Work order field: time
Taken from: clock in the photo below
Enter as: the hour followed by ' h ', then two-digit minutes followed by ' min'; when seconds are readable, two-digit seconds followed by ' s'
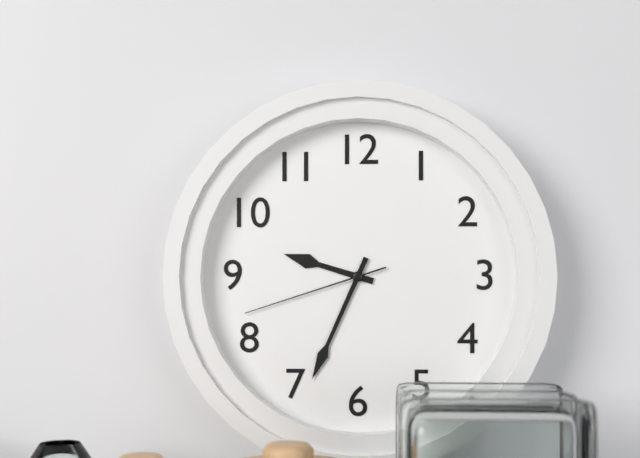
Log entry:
9 h 34 min 42 s
